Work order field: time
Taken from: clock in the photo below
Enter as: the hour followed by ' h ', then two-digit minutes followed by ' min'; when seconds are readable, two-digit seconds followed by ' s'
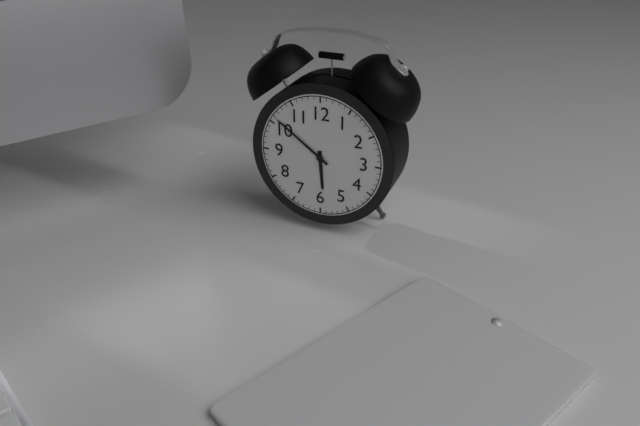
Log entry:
5 h 51 min
